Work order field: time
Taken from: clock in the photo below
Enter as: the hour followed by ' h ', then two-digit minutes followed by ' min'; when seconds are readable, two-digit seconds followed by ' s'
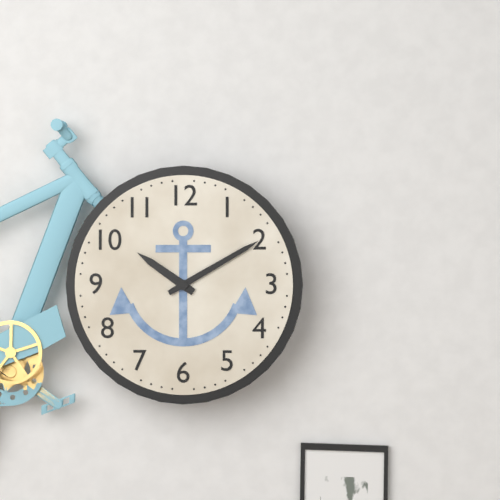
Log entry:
10 h 10 min
